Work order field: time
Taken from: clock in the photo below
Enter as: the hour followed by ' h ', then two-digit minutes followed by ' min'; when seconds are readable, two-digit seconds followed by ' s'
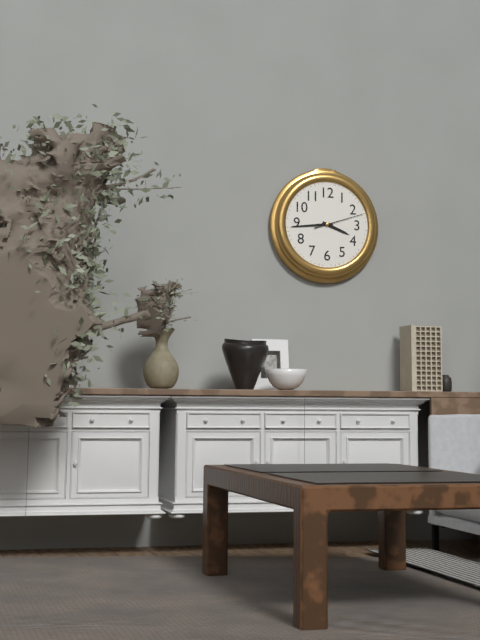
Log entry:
3 h 44 min
